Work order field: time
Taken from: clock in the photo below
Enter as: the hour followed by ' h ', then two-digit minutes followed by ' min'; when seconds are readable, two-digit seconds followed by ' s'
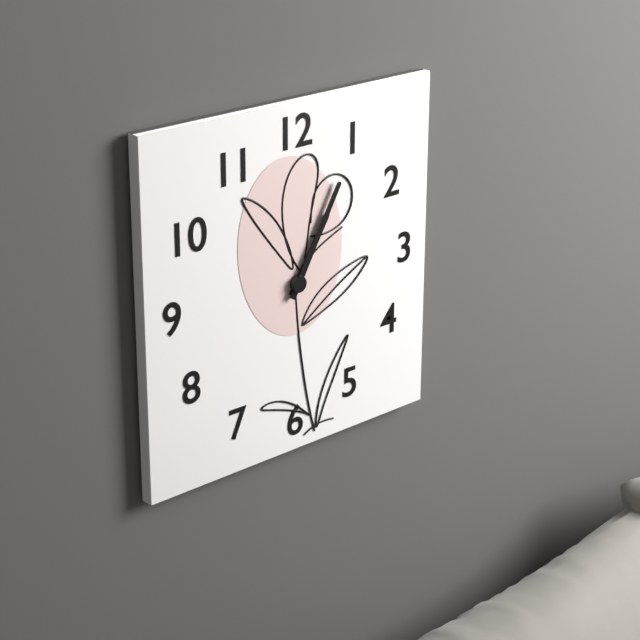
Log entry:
1 h 05 min
